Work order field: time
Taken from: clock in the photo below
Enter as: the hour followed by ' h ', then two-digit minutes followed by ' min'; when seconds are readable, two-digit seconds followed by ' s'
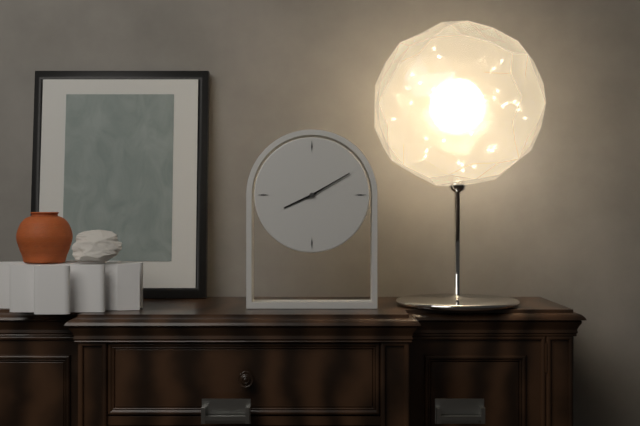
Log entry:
8 h 10 min
